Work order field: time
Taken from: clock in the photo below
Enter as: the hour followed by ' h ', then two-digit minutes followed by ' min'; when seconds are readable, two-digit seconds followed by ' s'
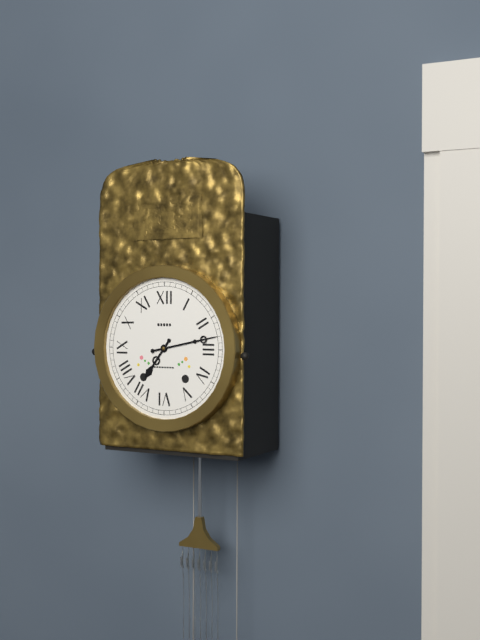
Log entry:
7 h 13 min
